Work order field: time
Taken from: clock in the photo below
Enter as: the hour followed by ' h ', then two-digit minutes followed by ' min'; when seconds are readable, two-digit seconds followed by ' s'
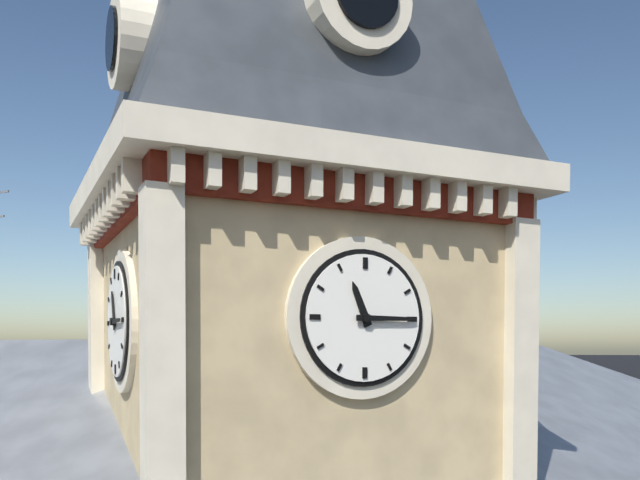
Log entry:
11 h 15 min
